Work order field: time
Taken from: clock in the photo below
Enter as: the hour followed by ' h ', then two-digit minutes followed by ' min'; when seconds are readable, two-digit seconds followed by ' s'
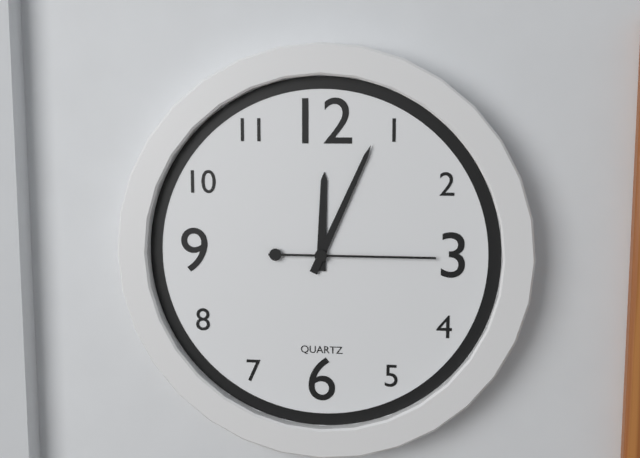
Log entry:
12 h 04 min 15 s
